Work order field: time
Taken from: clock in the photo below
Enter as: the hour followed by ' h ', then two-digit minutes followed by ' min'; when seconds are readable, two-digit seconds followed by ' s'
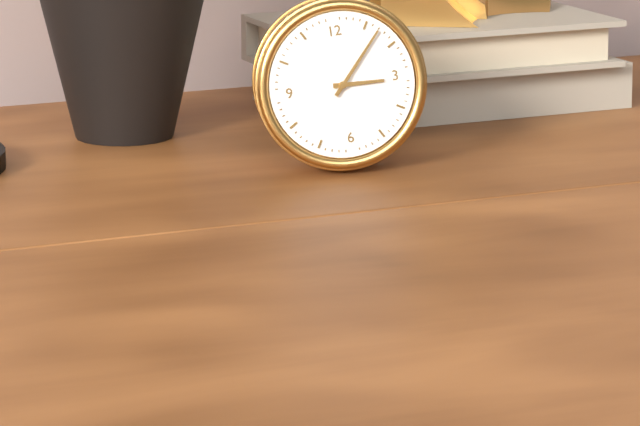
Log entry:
3 h 07 min
